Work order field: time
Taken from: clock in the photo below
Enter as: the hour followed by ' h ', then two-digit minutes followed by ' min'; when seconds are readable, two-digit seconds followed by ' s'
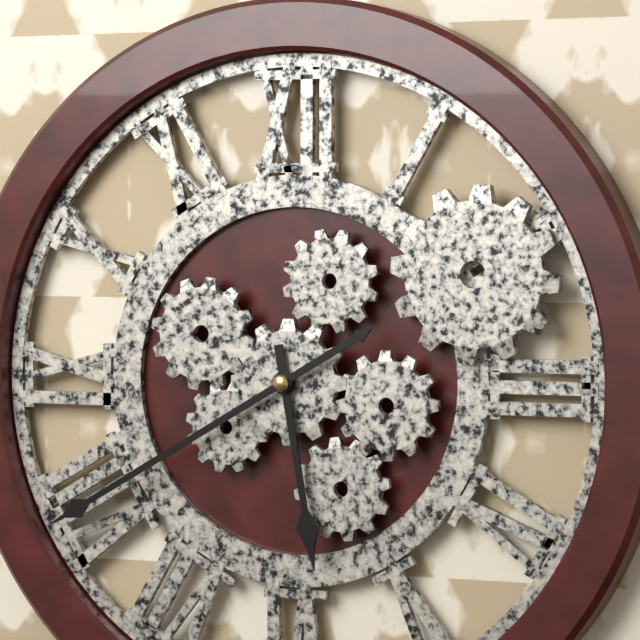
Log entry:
5 h 40 min
